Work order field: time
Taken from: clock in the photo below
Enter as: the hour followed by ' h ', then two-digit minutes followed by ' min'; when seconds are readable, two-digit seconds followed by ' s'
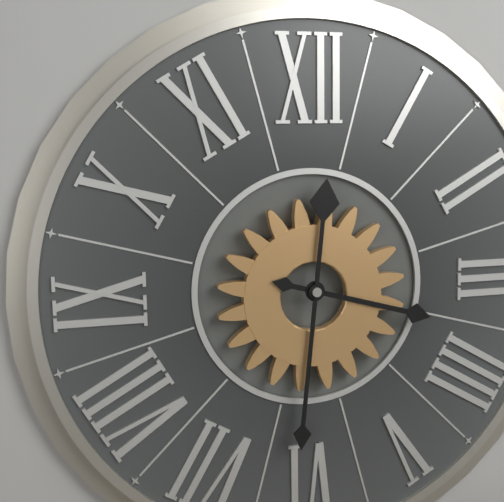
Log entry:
3 h 31 min
